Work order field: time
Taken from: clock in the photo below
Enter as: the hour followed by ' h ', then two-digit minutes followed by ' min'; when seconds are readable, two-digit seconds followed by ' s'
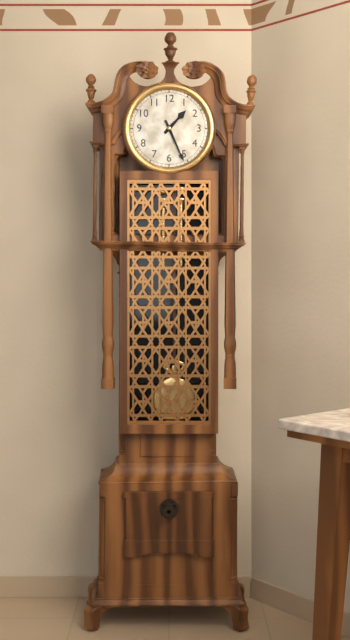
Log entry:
1 h 26 min
